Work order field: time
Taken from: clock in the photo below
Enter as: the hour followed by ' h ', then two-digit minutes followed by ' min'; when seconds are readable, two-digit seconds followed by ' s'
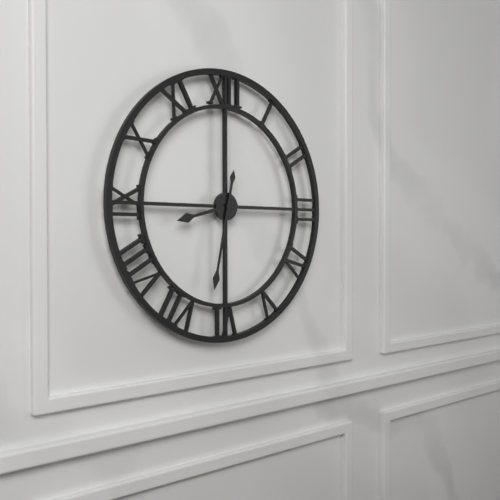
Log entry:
8 h 32 min
